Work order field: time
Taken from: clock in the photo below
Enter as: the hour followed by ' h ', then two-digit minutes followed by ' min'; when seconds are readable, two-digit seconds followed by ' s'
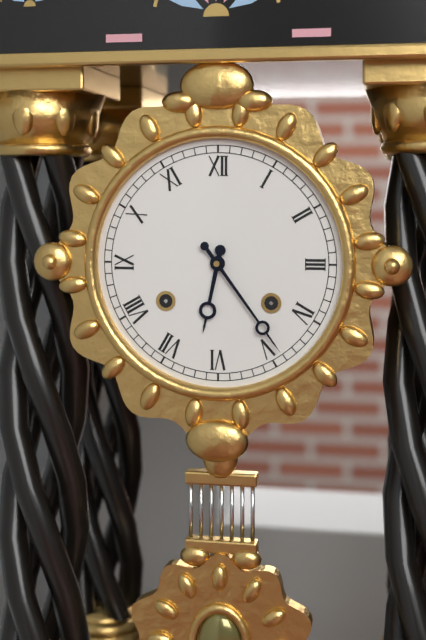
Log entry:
6 h 24 min
